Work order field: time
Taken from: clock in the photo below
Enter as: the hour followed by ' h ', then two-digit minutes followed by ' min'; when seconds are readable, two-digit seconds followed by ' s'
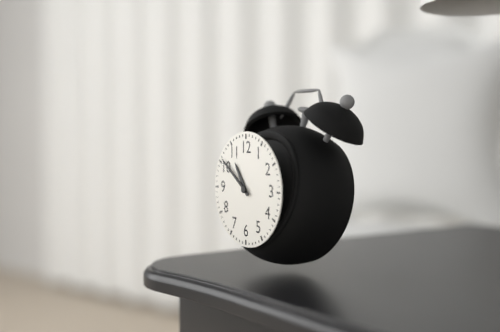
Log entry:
10 h 51 min
